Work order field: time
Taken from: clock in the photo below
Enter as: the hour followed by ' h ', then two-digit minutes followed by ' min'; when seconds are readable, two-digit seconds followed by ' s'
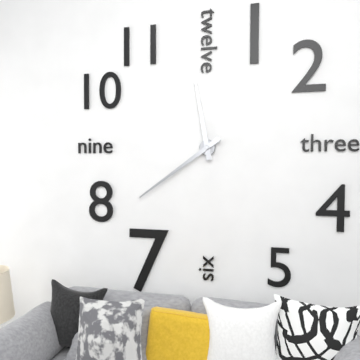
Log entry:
11 h 39 min
